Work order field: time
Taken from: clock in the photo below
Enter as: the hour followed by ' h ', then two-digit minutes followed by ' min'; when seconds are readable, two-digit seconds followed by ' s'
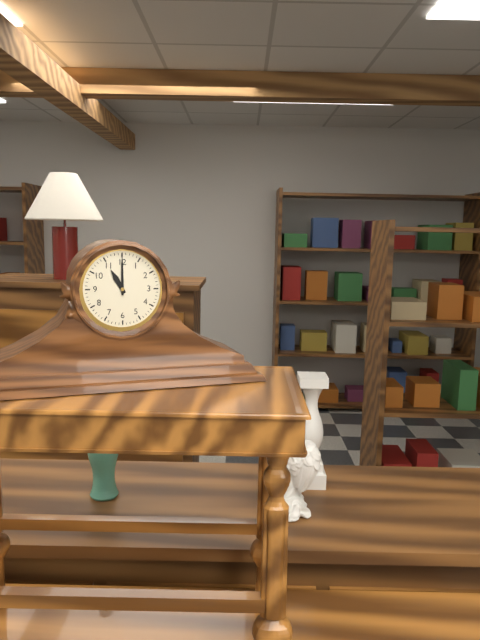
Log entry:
11 h 00 min
